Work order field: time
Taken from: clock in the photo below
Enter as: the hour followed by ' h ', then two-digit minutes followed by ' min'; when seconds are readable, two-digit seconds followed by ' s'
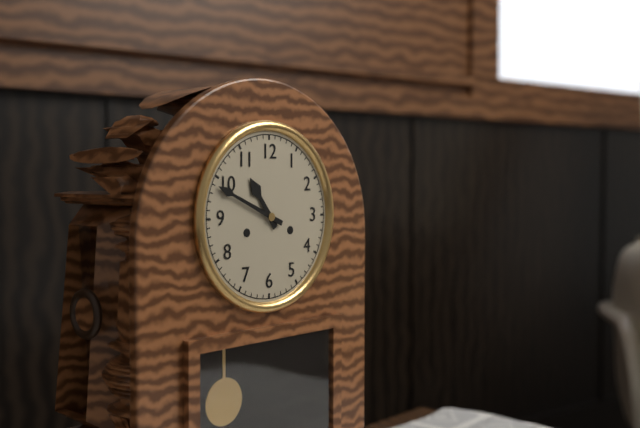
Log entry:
10 h 49 min
